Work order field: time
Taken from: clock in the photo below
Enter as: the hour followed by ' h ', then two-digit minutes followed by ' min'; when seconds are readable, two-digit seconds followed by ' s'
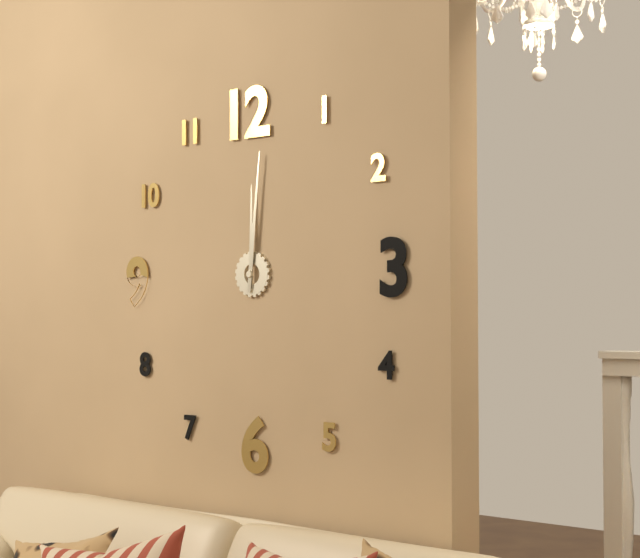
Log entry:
12 h 01 min
